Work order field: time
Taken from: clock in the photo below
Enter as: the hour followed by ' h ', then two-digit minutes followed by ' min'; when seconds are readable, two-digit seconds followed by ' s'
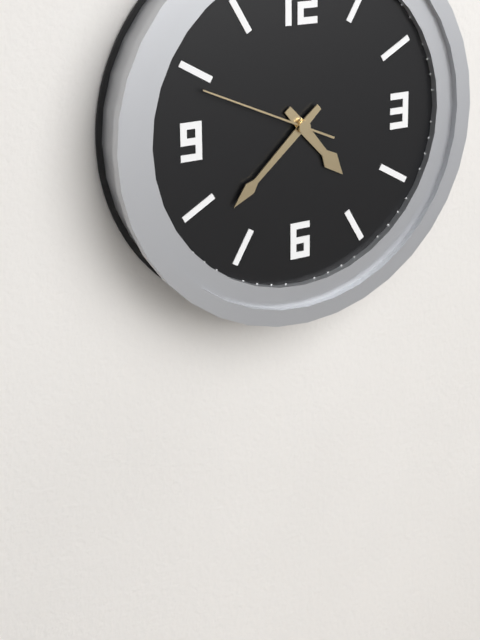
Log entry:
4 h 38 min 49 s
